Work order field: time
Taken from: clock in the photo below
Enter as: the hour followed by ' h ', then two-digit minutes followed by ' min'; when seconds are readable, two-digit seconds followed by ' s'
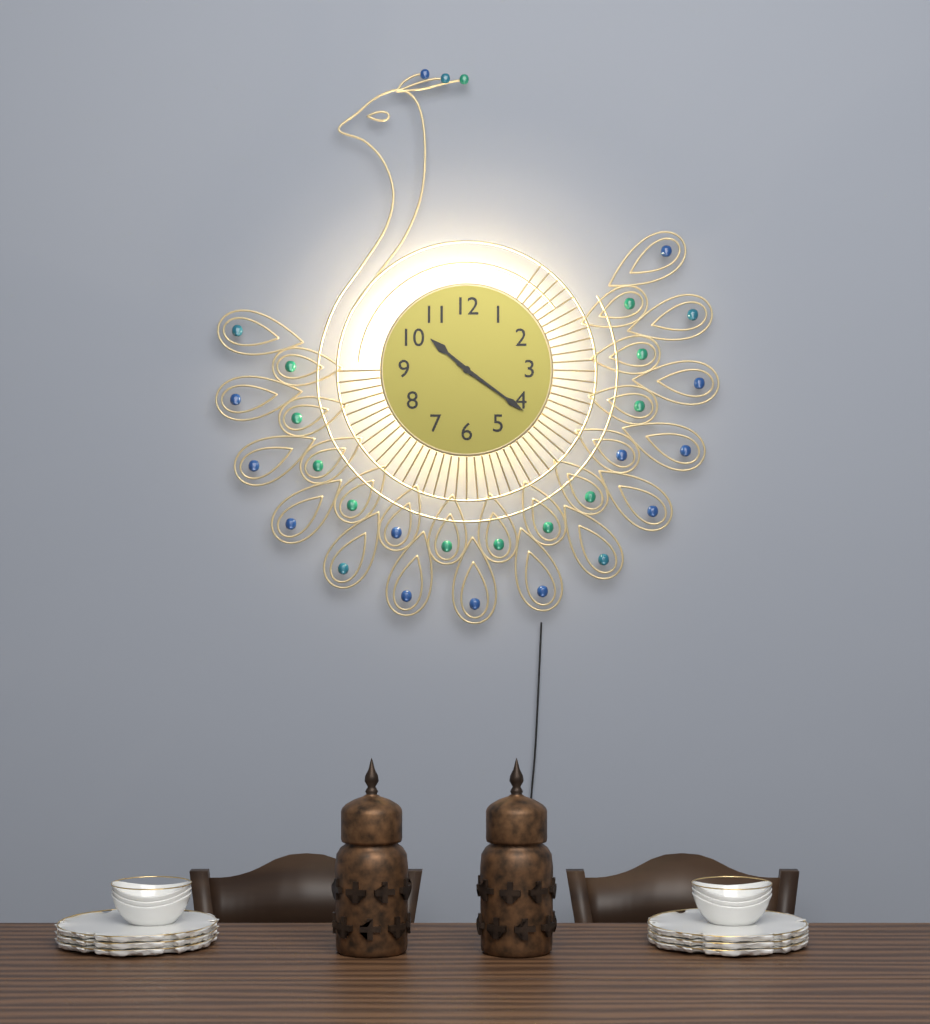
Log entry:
10 h 21 min
